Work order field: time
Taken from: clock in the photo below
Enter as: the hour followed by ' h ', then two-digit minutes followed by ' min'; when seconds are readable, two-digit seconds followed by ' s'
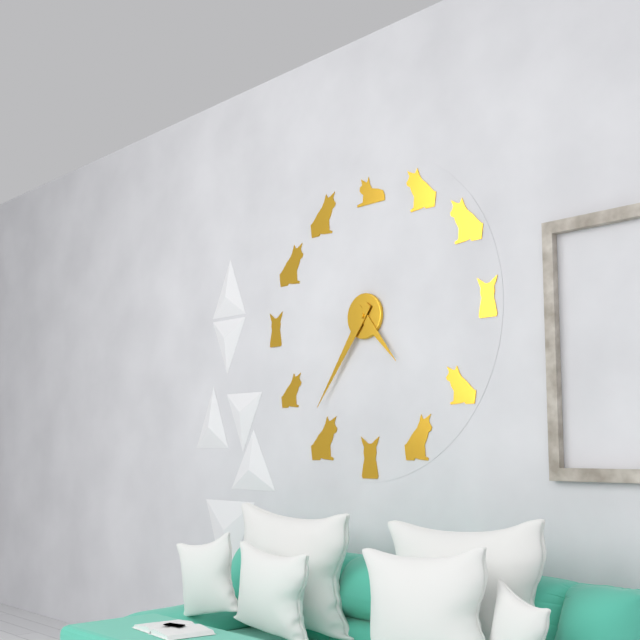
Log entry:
4 h 36 min
